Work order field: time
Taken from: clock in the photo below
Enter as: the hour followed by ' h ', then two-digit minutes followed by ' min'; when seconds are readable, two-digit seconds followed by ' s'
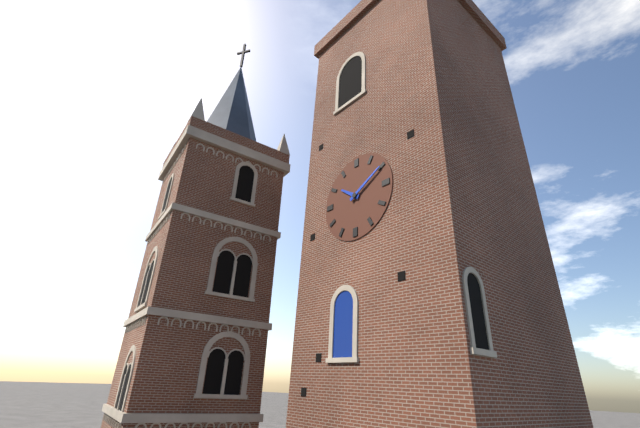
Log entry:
10 h 10 min
